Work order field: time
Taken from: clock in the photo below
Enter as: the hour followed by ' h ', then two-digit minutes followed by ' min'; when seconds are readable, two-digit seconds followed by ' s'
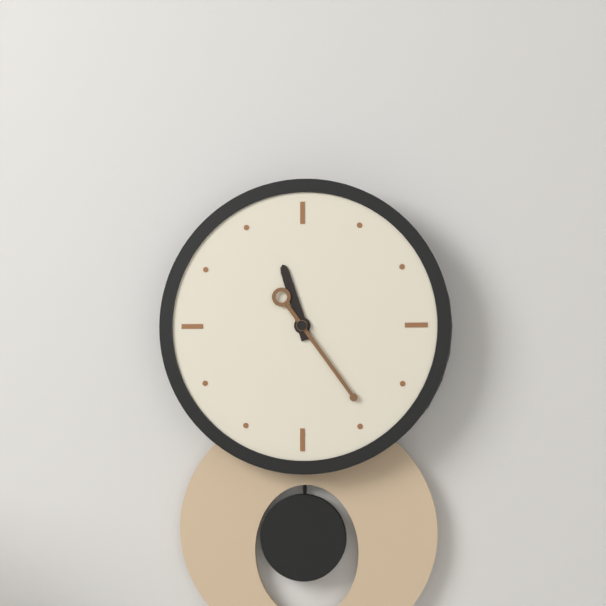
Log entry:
11 h 24 min
